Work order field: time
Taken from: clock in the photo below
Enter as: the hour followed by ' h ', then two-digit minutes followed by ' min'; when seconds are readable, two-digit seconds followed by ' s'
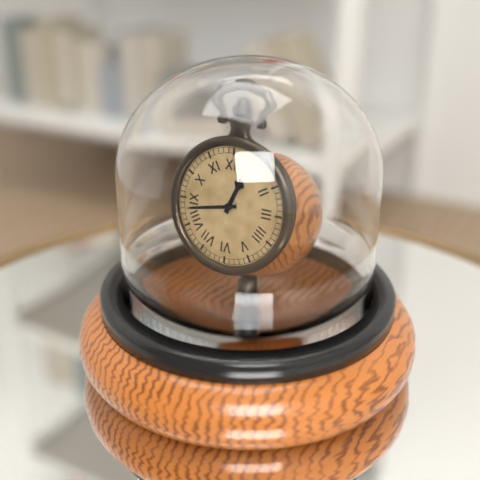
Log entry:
12 h 43 min
